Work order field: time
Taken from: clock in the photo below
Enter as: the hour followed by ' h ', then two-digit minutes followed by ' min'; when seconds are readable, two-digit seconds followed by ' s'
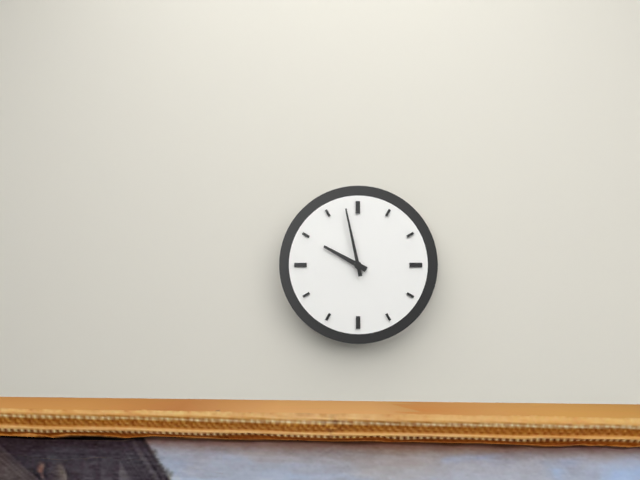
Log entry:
9 h 58 min
